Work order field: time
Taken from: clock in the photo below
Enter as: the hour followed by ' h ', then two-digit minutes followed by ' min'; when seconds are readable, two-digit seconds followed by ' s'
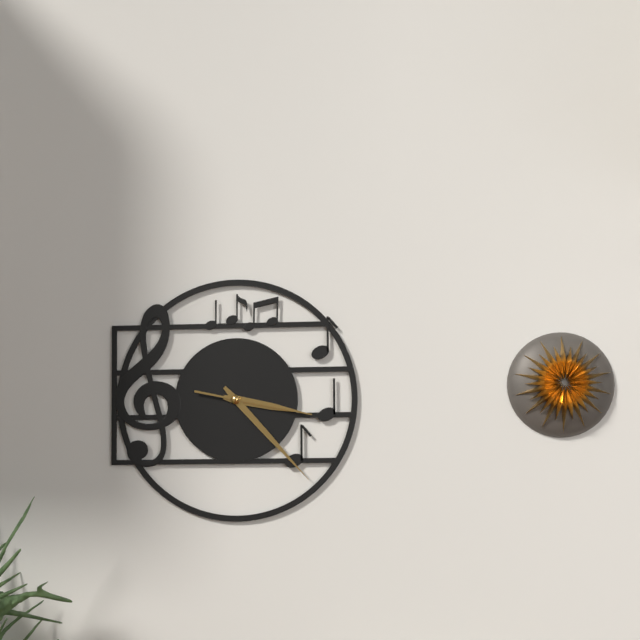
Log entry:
3 h 23 min 17 s
